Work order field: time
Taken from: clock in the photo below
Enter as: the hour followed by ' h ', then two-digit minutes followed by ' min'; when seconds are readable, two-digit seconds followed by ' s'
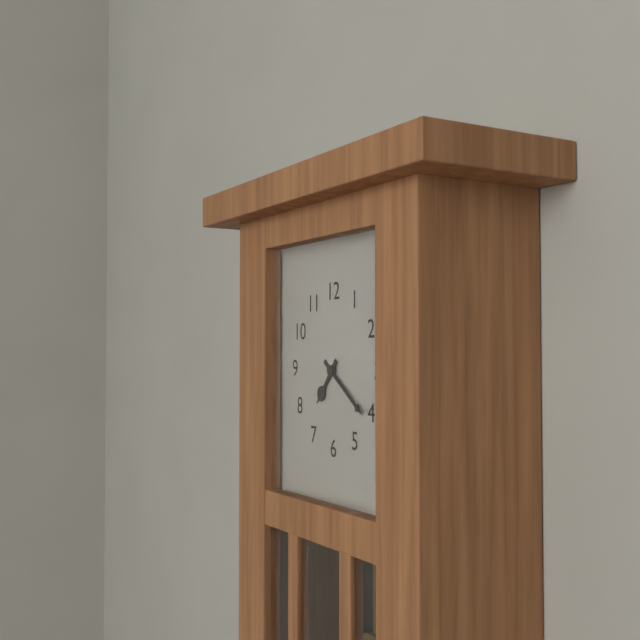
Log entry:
7 h 21 min
